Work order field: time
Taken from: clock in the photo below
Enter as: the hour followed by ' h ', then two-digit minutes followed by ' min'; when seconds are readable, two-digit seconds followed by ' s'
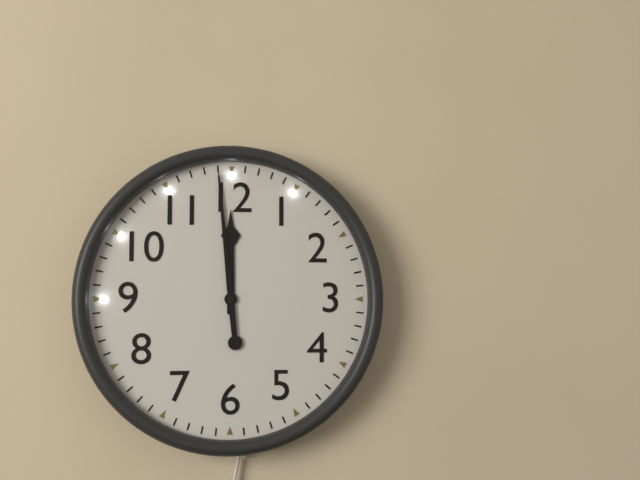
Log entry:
11 h 59 min
